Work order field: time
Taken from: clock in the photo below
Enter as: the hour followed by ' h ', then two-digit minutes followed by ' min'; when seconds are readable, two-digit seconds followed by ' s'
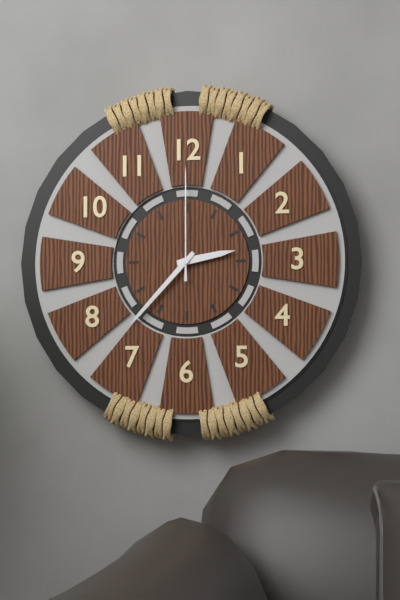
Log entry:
2 h 37 min 00 s
